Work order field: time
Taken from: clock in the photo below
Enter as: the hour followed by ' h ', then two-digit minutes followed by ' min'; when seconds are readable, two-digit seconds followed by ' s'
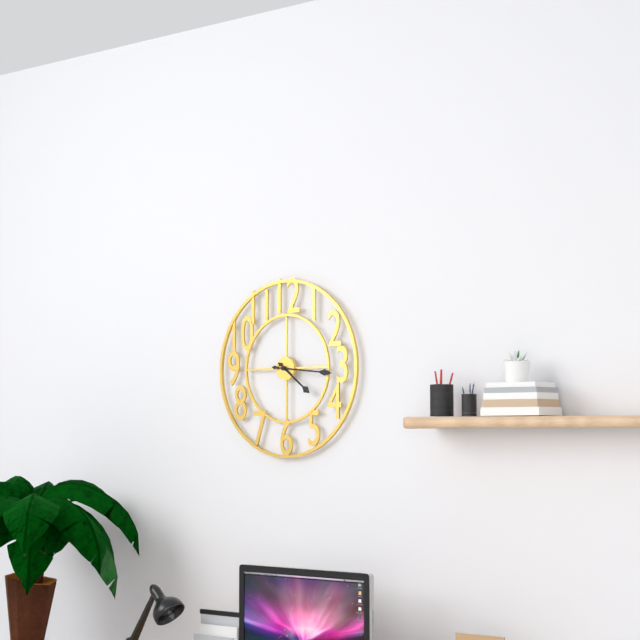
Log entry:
4 h 16 min
